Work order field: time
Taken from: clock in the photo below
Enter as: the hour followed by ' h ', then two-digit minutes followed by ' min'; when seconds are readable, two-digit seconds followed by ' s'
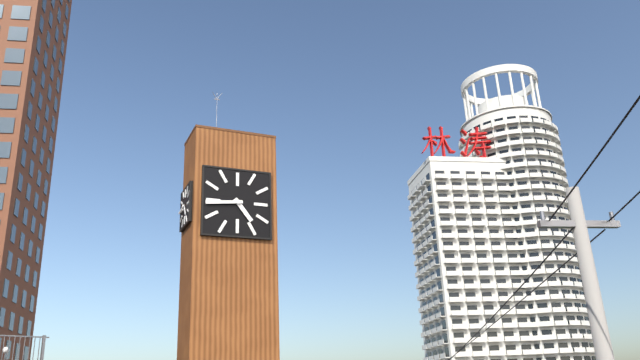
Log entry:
4 h 44 min
